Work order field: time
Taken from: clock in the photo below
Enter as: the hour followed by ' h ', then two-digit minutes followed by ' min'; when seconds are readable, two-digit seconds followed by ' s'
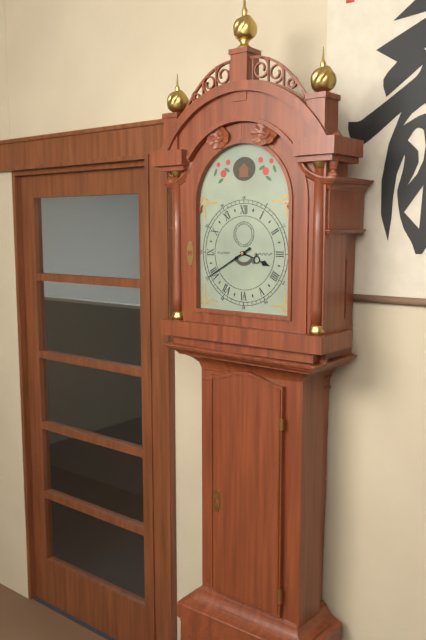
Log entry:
3 h 40 min
